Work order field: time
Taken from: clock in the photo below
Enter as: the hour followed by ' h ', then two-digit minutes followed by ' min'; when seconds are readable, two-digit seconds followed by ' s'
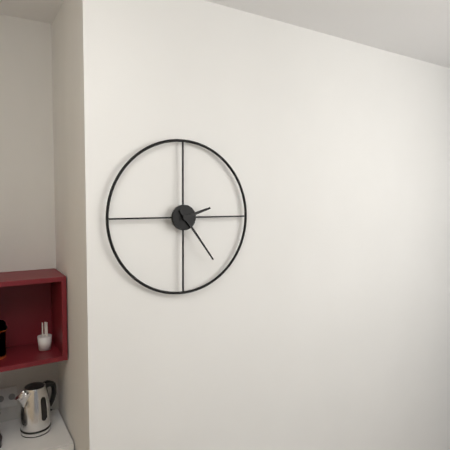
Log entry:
2 h 24 min
